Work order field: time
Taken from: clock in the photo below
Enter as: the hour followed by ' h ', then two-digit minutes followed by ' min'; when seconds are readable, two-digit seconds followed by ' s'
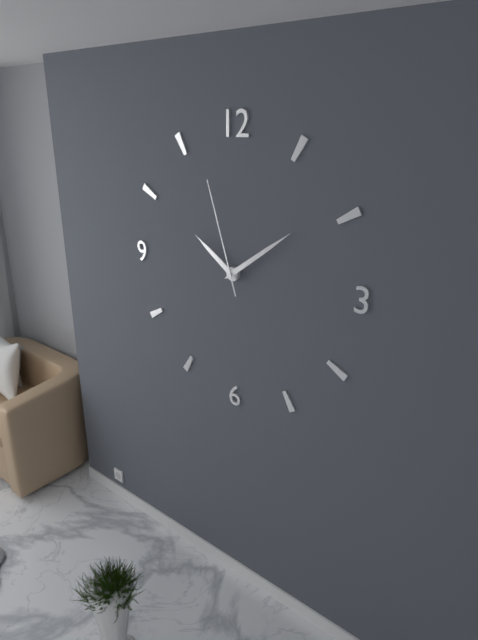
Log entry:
10 h 09 min 57 s
